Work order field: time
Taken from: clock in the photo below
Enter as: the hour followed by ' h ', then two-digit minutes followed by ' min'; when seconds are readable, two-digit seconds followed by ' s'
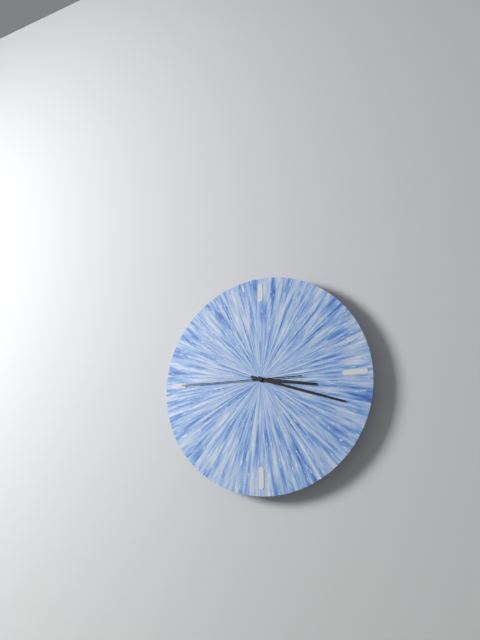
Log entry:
3 h 18 min 45 s
